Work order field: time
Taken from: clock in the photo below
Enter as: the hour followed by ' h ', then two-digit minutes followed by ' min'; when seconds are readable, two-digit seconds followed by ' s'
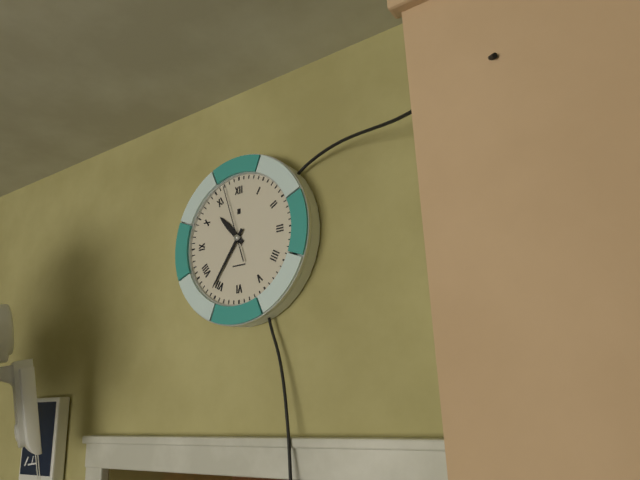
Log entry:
10 h 36 min 57 s
